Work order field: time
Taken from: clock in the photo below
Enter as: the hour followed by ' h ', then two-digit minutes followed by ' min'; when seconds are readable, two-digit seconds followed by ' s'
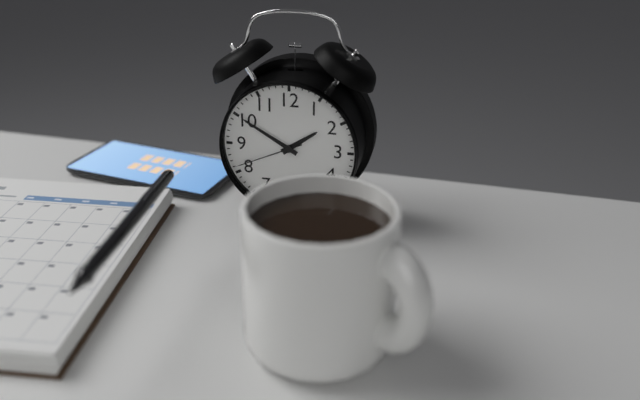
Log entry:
1 h 50 min 41 s
